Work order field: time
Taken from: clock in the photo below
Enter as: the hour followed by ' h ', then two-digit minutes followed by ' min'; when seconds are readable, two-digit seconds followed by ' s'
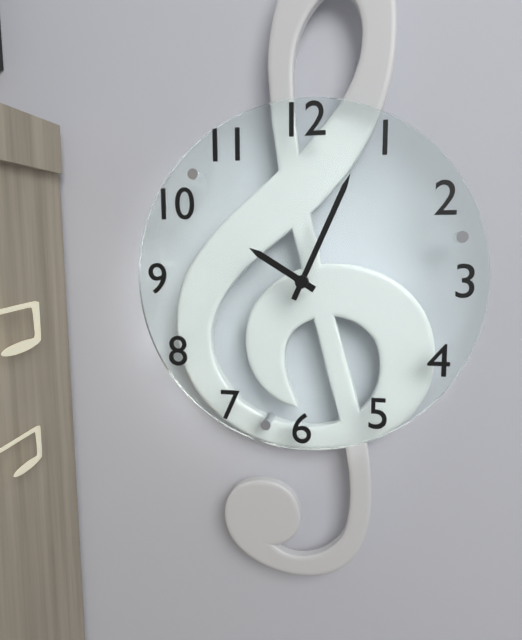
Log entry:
10 h 04 min
